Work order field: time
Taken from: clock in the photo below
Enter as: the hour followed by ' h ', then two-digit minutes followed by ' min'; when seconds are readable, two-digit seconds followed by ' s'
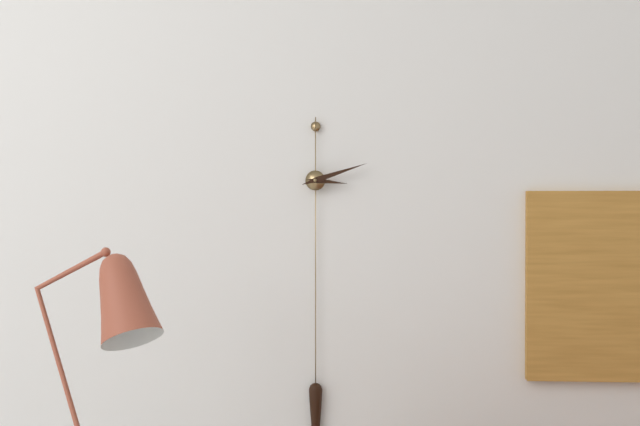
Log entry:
3 h 12 min
